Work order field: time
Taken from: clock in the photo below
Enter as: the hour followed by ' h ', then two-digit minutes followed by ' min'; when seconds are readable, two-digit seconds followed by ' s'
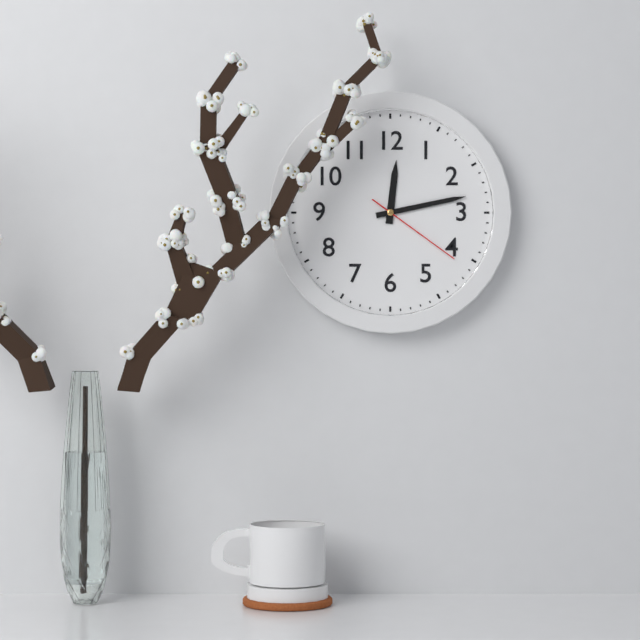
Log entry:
12 h 13 min 21 s
